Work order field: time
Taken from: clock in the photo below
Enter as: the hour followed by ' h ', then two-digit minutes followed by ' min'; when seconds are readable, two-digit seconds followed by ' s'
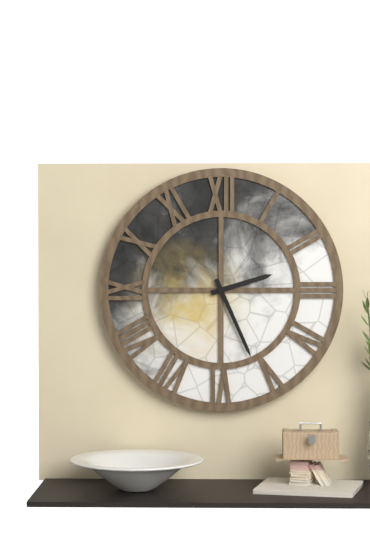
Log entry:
2 h 26 min
